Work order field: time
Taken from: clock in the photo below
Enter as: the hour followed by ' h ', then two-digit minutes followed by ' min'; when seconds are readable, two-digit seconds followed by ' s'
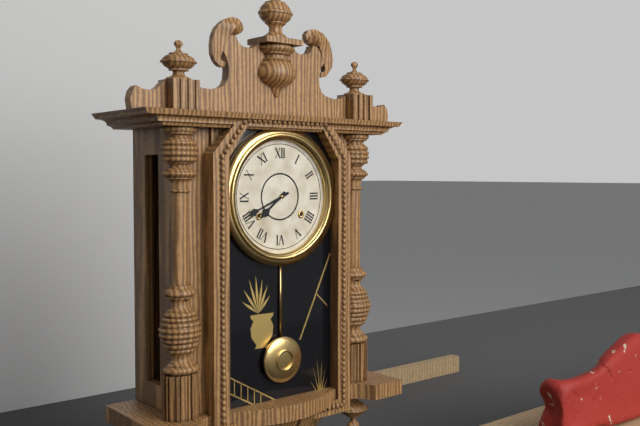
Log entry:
7 h 41 min
